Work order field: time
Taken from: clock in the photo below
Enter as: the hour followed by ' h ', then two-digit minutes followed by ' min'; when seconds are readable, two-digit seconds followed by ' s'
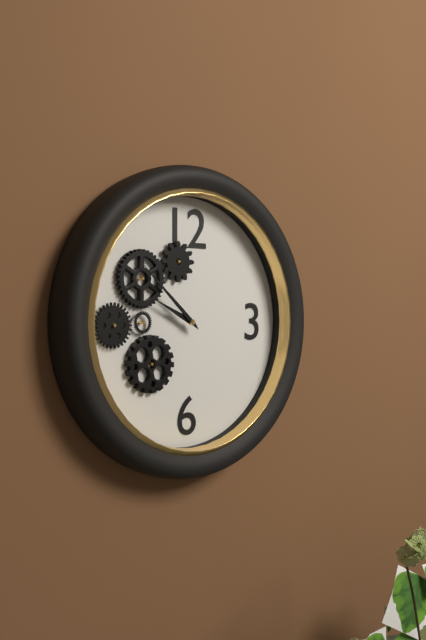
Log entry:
9 h 52 min
